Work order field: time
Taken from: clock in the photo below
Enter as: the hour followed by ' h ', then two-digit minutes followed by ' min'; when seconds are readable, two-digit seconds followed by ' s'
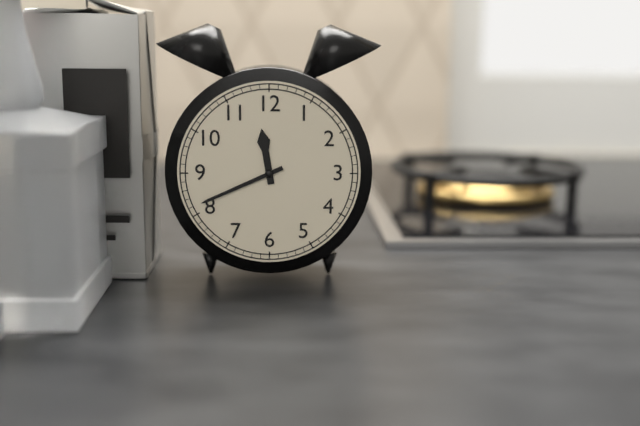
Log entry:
11 h 41 min
